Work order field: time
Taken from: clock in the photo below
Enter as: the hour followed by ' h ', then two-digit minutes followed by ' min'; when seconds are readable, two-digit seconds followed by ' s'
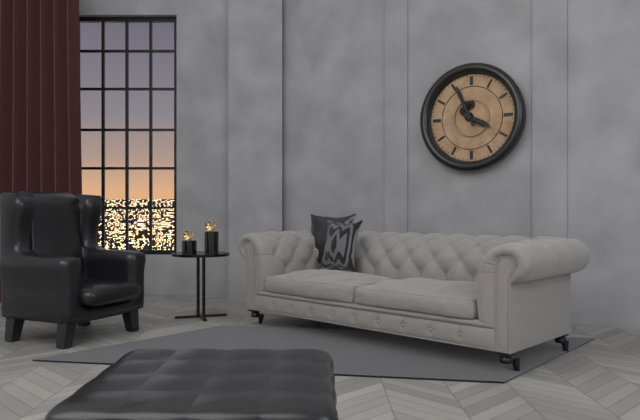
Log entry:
3 h 56 min
